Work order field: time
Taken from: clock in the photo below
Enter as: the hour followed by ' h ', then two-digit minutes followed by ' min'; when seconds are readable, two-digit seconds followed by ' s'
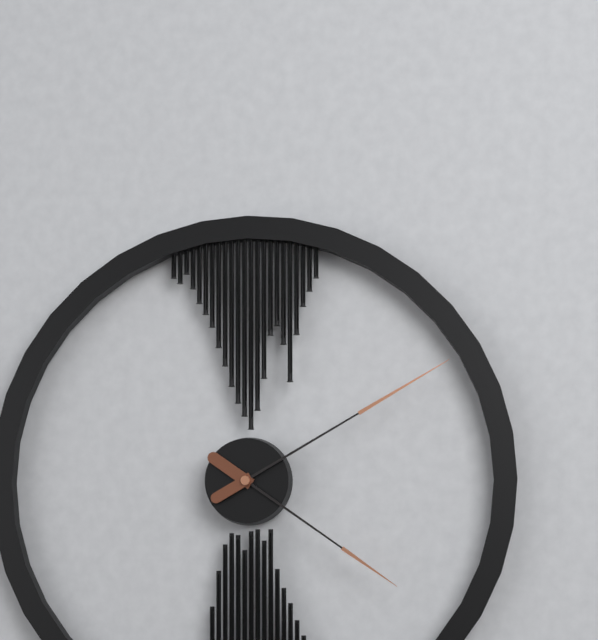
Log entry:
4 h 10 min
